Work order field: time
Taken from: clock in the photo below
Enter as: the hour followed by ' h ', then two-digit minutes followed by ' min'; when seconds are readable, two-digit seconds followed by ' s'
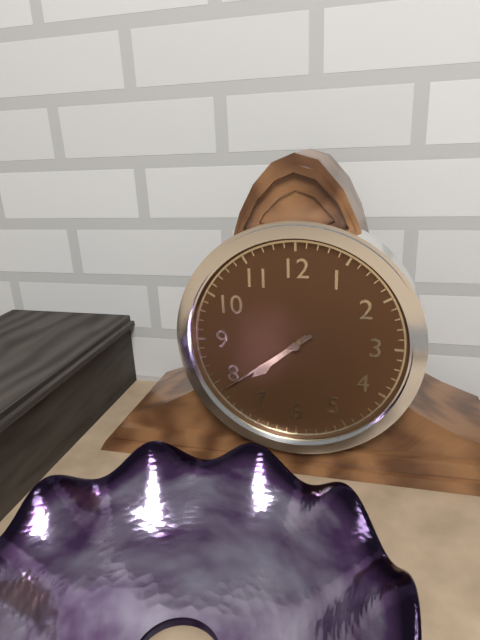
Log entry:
7 h 39 min
